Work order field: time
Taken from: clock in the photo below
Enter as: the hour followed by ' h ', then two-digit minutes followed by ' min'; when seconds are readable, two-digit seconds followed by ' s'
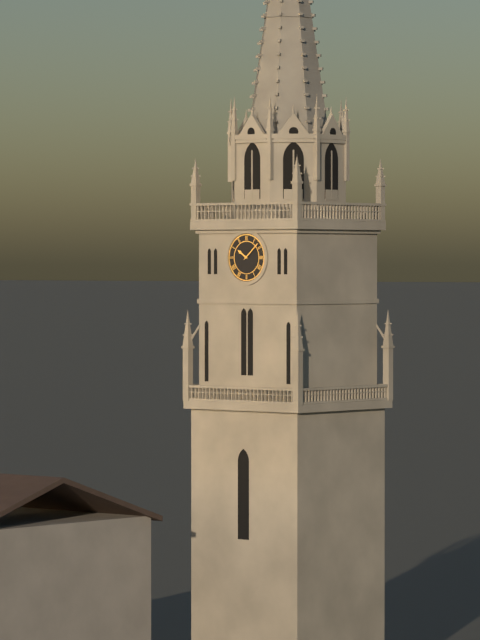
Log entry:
10 h 08 min
